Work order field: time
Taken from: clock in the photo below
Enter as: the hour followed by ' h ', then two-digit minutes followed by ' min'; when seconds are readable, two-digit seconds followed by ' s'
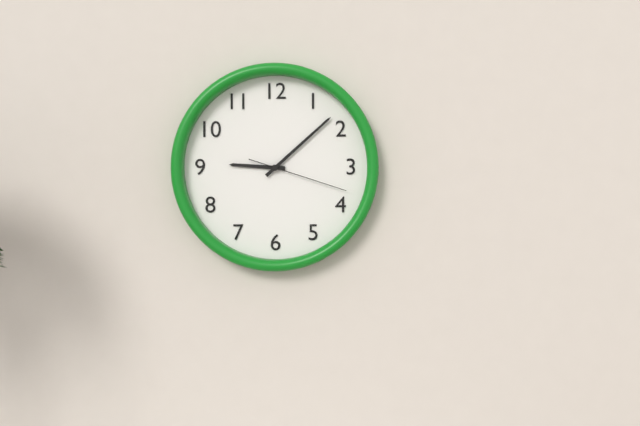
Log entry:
9 h 08 min 18 s
